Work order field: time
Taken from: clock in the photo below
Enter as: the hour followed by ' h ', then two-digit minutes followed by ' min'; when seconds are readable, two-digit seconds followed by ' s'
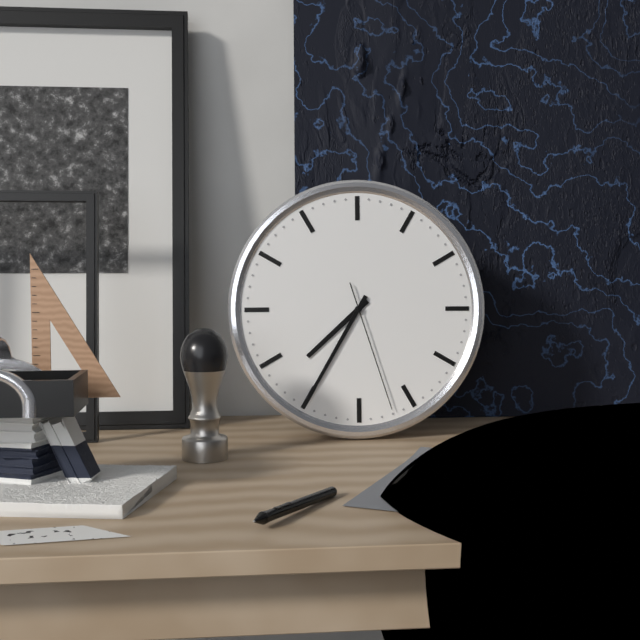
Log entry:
7 h 35 min 27 s
